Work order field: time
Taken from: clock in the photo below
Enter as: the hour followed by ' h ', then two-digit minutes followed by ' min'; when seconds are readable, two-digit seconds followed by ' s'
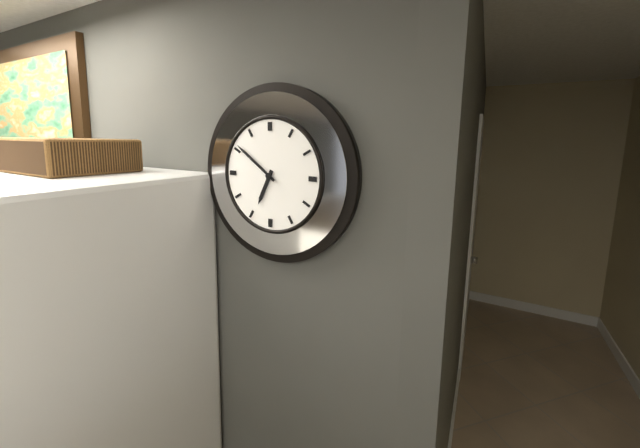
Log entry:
6 h 51 min
